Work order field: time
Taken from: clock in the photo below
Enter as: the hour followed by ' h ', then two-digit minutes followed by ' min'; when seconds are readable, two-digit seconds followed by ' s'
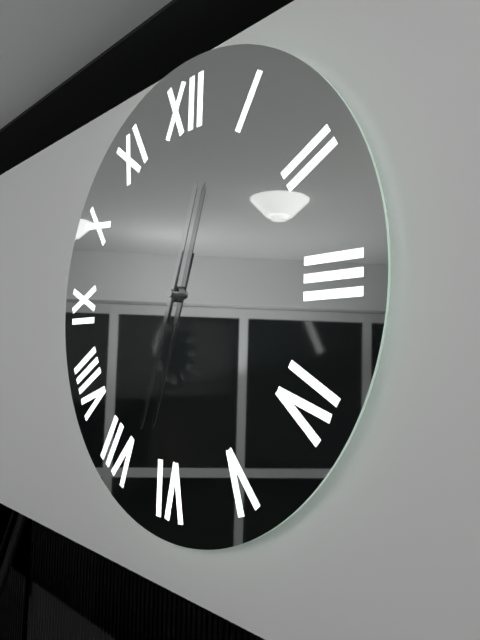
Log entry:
12 h 33 min
